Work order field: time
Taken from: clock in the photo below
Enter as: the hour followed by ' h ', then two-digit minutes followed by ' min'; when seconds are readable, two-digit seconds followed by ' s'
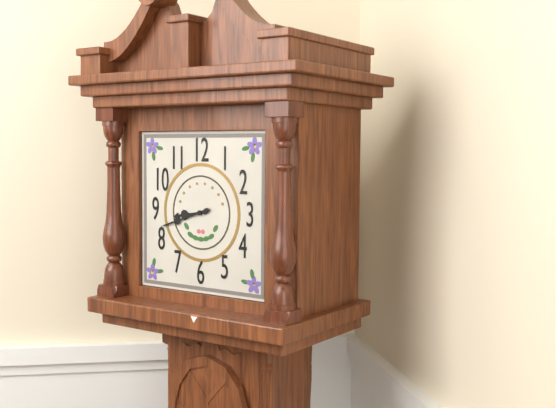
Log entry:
8 h 42 min
